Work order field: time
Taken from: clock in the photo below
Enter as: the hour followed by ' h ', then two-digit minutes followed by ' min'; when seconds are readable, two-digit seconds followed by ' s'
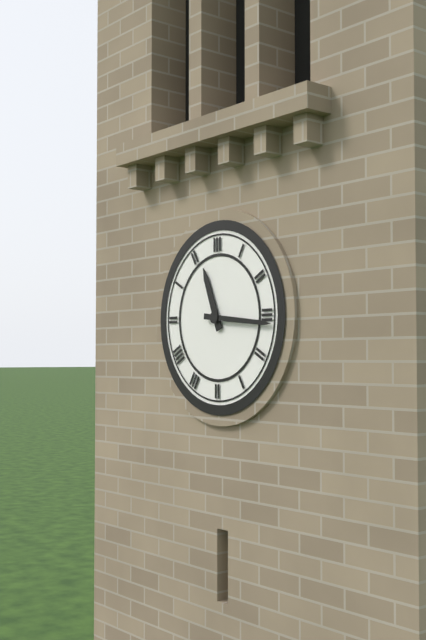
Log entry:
11 h 16 min
